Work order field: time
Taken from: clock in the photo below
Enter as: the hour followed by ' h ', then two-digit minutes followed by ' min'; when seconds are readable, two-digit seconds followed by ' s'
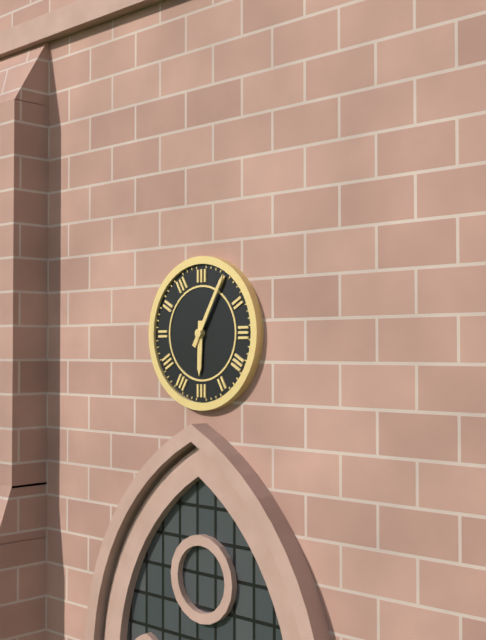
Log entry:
6 h 05 min
